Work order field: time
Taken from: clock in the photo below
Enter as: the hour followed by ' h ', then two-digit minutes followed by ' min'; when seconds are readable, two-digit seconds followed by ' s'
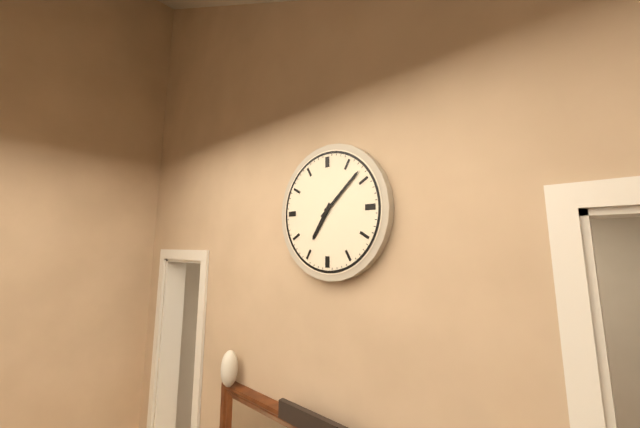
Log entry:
7 h 08 min
